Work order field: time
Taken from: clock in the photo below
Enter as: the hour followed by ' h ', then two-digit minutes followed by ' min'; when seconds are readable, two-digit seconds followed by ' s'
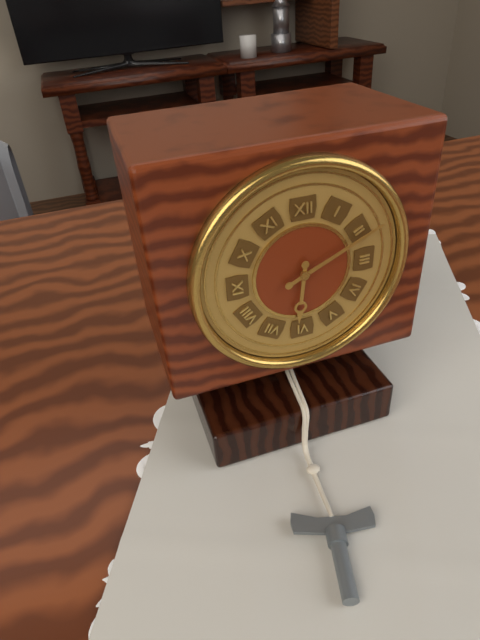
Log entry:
6 h 11 min
